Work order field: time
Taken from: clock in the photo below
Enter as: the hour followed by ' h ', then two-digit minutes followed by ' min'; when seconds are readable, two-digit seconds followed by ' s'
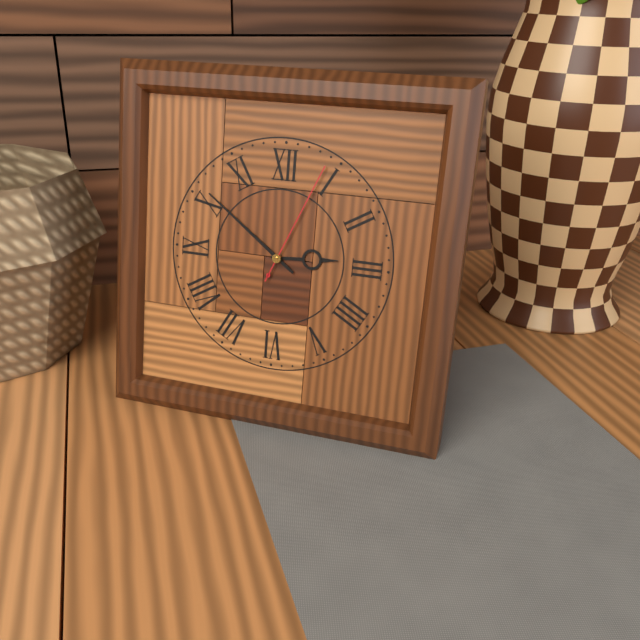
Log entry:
2 h 51 min 04 s
